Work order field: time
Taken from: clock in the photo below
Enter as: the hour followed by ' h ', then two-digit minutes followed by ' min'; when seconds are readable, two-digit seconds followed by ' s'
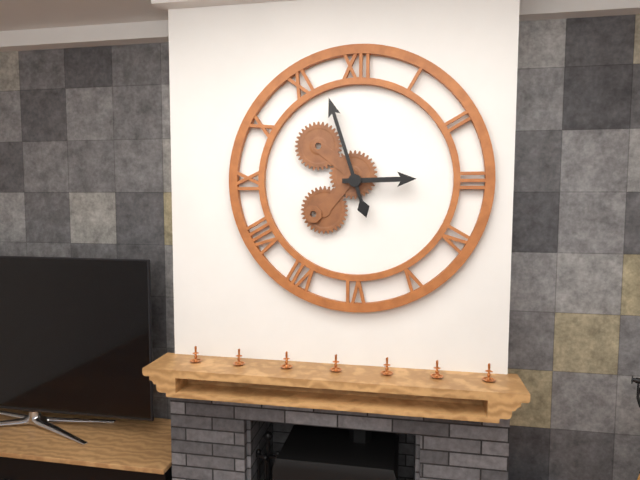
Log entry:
2 h 57 min
